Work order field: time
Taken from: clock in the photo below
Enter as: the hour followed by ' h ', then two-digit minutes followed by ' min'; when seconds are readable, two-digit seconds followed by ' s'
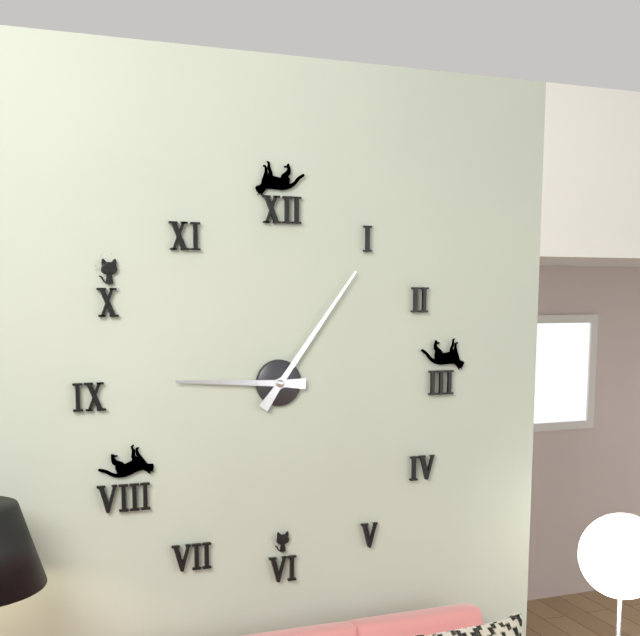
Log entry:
9 h 06 min
